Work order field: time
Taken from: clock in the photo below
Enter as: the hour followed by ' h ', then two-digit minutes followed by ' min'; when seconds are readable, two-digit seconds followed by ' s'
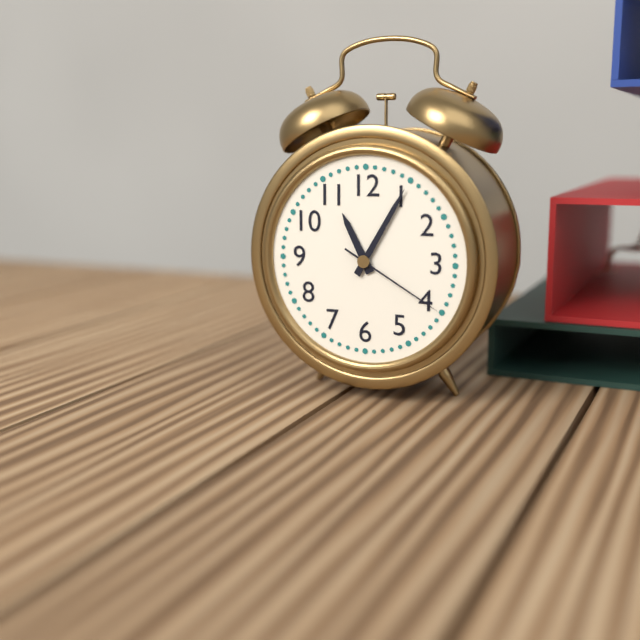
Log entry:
11 h 05 min 20 s
